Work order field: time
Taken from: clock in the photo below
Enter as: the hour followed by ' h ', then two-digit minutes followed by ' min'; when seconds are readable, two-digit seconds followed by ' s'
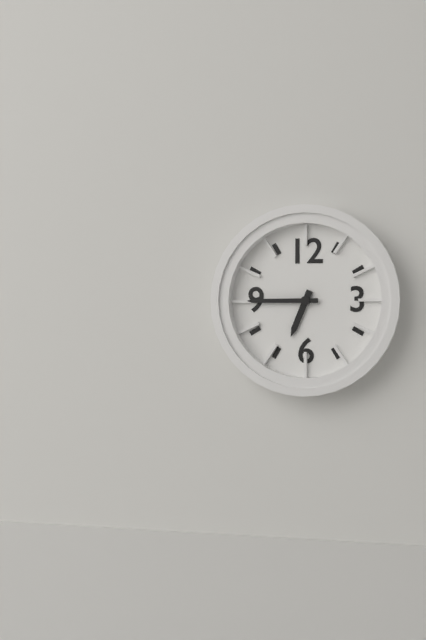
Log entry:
6 h 45 min
